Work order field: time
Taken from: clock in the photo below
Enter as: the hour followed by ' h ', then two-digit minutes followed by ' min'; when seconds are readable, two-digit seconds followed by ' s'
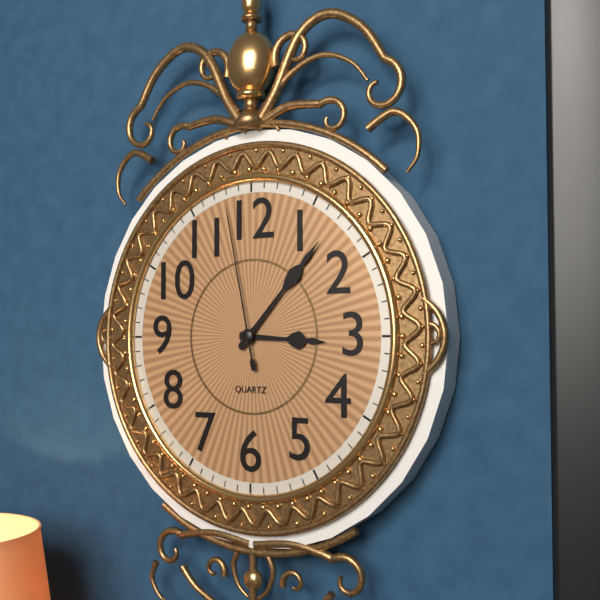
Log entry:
3 h 07 min 58 s
